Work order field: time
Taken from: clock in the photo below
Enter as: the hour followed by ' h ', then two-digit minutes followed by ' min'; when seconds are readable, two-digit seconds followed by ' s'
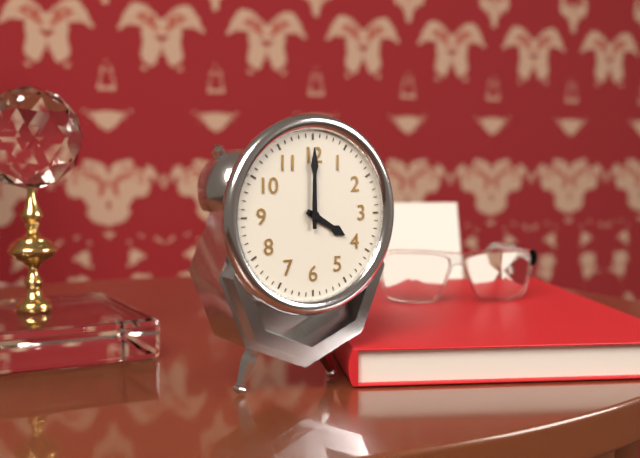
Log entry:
4 h 00 min
